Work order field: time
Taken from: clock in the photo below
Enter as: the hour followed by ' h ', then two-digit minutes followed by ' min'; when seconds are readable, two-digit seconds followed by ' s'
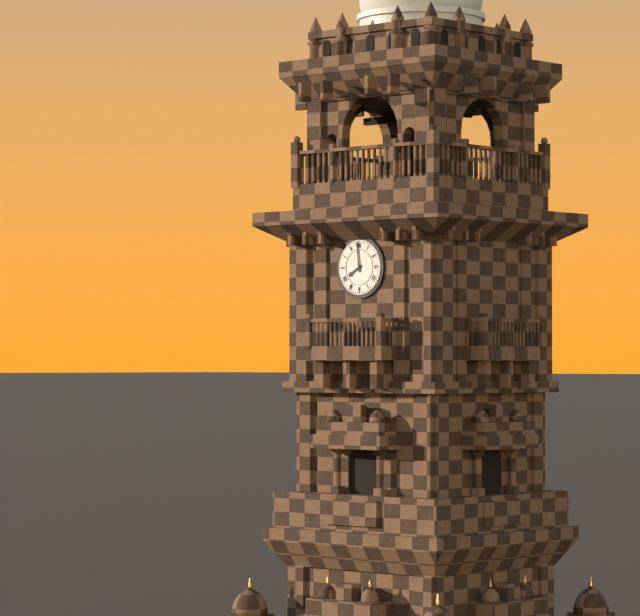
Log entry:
7 h 59 min
